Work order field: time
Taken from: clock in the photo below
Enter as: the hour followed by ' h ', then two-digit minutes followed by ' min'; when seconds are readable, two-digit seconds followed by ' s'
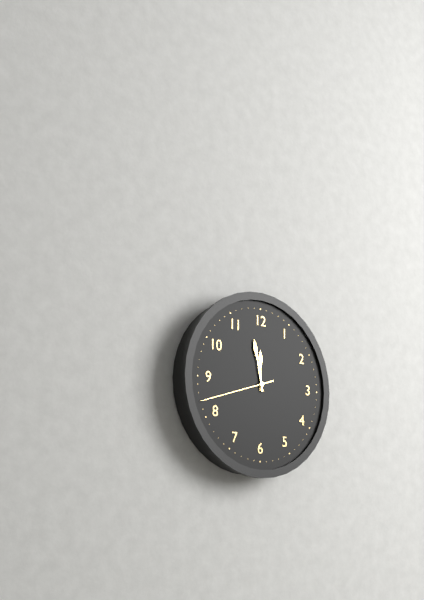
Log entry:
11 h 58 min 42 s
